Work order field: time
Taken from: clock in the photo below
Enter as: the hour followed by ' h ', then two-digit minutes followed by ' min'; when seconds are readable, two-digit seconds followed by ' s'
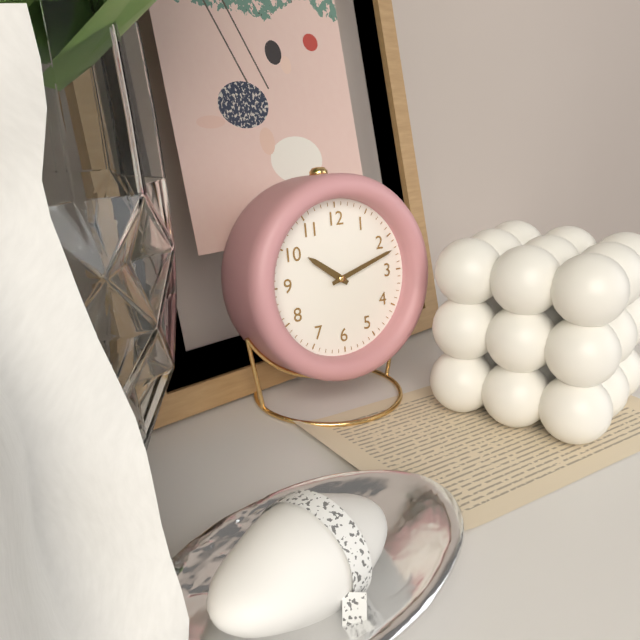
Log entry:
10 h 12 min
